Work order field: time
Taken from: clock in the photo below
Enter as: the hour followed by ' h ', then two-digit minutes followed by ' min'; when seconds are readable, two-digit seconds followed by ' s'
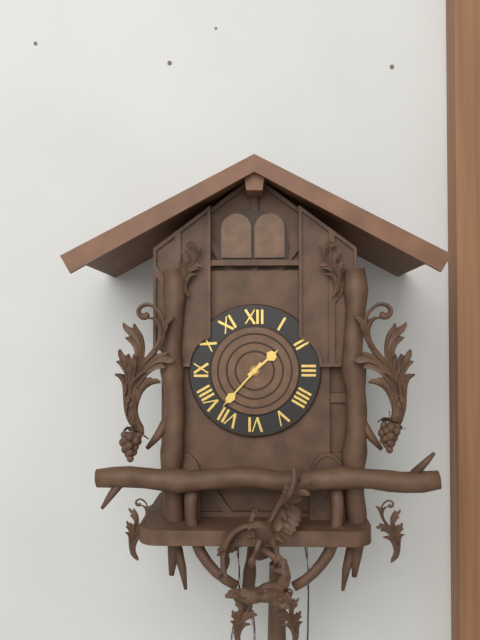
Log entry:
1 h 37 min
